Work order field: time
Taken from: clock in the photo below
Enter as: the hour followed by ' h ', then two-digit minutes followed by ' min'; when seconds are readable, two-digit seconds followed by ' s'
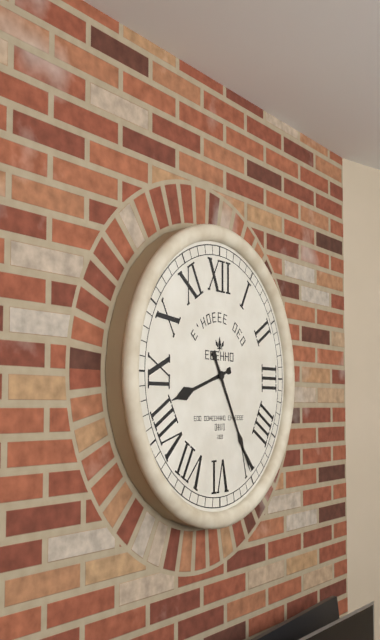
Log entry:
8 h 25 min
